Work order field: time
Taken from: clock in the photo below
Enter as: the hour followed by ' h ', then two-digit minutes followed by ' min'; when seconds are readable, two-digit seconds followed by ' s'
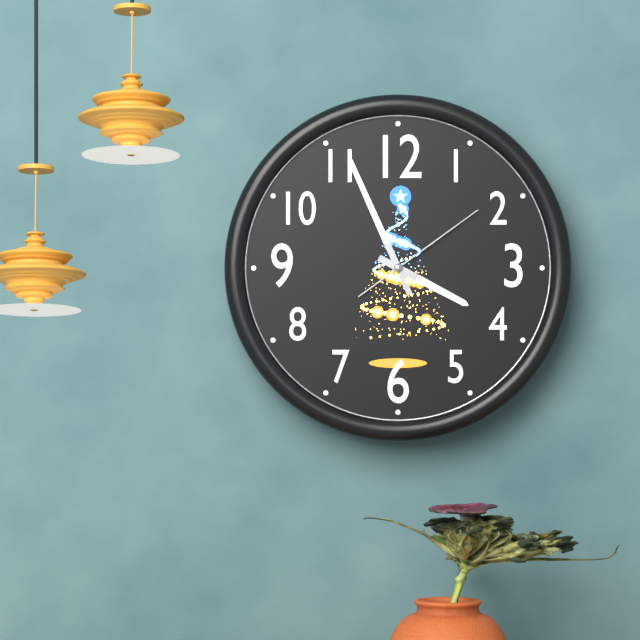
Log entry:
3 h 56 min 09 s
